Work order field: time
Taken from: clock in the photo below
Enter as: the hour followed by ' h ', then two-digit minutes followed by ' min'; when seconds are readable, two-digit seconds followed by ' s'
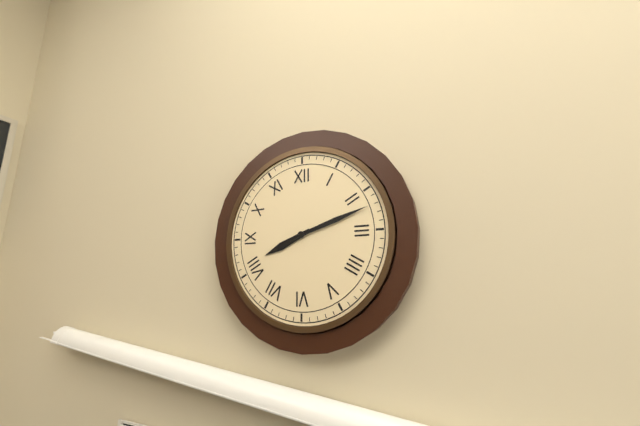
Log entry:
8 h 12 min
